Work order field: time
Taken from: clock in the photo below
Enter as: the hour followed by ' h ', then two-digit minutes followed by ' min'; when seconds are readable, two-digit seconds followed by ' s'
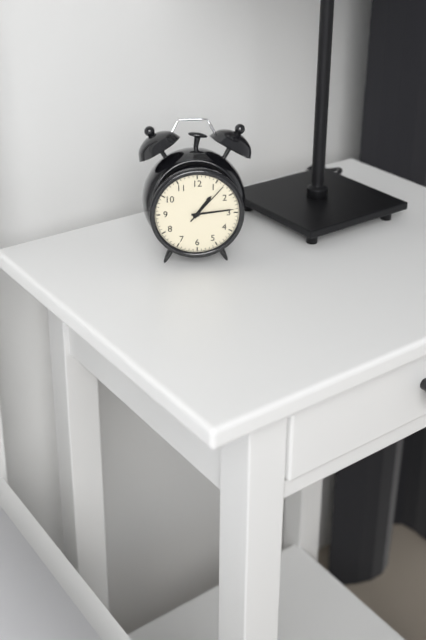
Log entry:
1 h 14 min
